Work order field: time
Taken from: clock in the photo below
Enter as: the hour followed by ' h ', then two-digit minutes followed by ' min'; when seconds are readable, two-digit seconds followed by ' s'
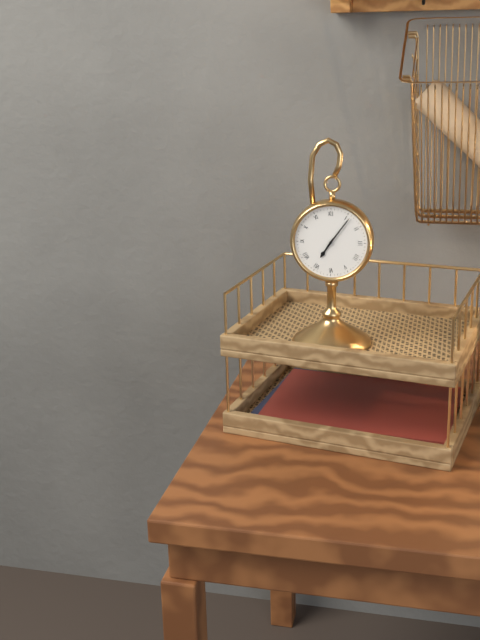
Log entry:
7 h 06 min
